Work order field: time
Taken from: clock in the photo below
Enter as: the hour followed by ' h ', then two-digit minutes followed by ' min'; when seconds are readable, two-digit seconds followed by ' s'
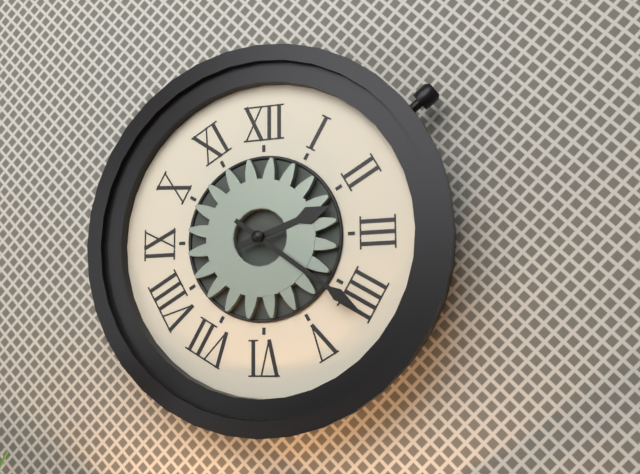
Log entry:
2 h 21 min
